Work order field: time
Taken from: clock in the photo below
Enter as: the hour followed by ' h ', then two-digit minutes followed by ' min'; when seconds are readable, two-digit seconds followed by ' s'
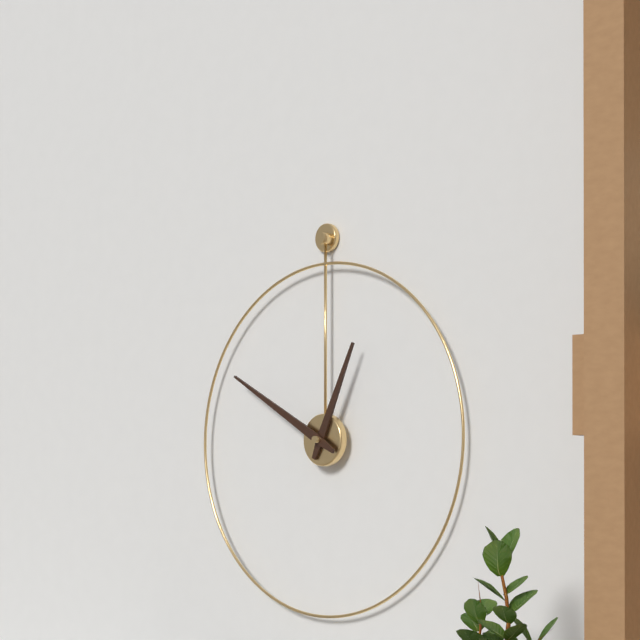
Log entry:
12 h 50 min
